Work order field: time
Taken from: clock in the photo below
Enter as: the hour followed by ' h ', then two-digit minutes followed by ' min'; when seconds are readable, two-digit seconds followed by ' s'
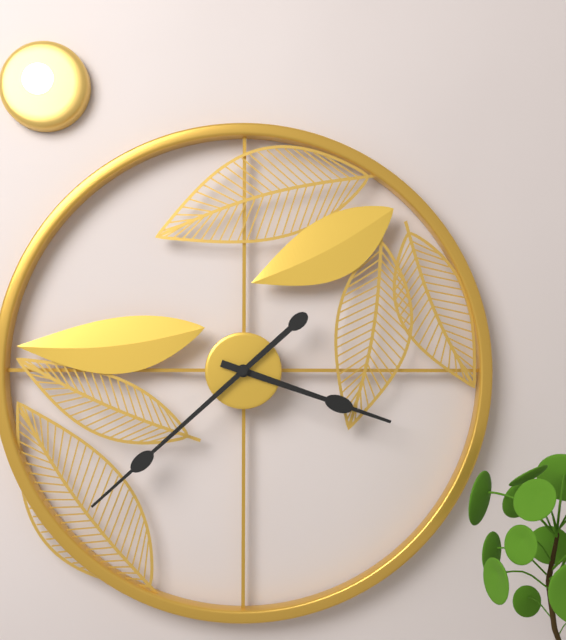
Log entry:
3 h 38 min
